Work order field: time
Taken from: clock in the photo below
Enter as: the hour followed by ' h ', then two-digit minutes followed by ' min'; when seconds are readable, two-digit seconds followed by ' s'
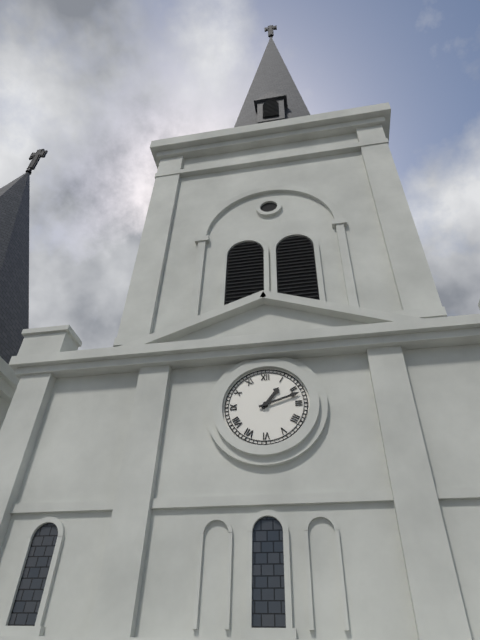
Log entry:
1 h 12 min
